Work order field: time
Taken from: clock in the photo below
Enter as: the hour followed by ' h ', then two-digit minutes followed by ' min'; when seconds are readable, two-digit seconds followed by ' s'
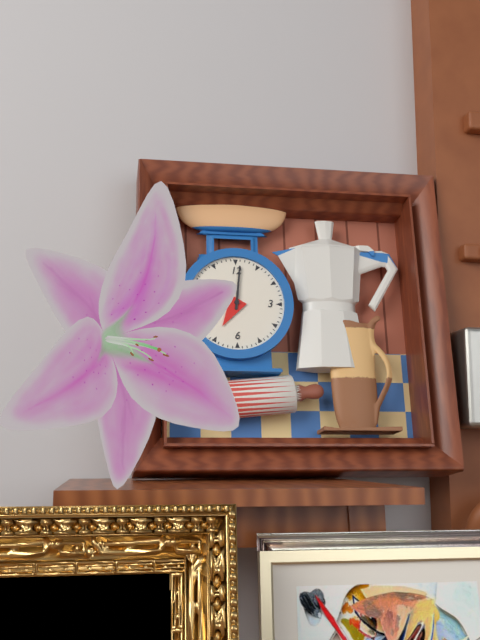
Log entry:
7 h 01 min
